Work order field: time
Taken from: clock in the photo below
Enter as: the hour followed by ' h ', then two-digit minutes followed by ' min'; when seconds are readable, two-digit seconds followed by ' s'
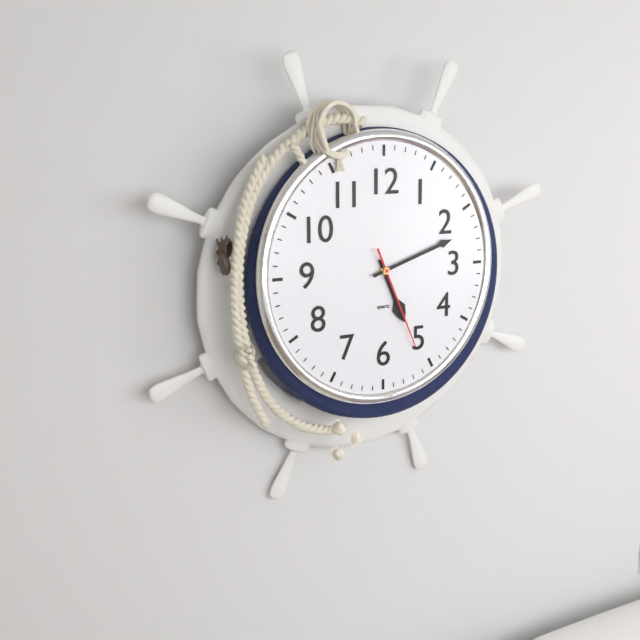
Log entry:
5 h 12 min 26 s
